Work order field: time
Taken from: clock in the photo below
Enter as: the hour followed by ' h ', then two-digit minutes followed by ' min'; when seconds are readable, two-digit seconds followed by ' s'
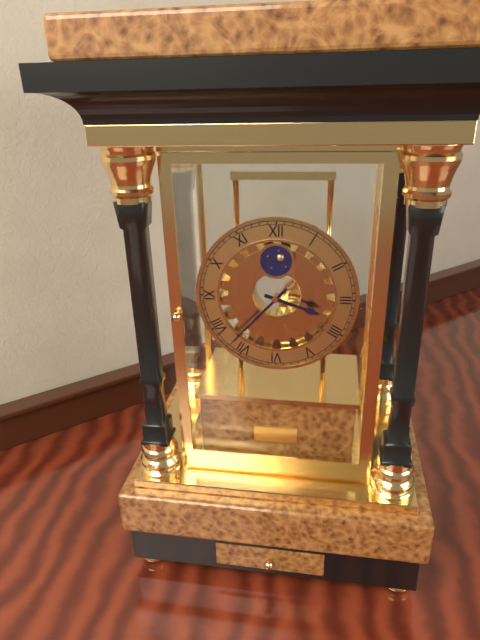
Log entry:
3 h 37 min
